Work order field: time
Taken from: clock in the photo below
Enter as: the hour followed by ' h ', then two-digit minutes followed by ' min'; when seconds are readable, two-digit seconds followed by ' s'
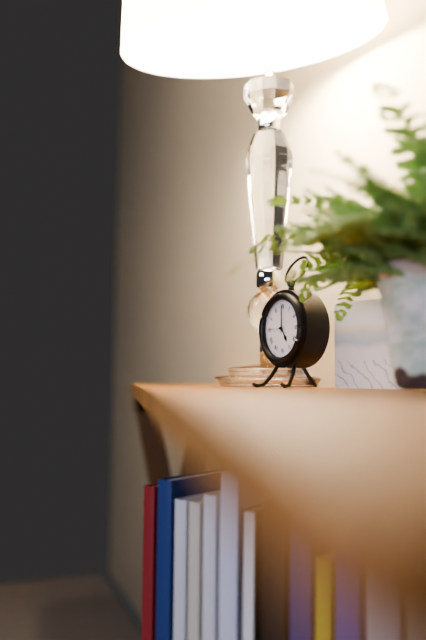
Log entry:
5 h 00 min
